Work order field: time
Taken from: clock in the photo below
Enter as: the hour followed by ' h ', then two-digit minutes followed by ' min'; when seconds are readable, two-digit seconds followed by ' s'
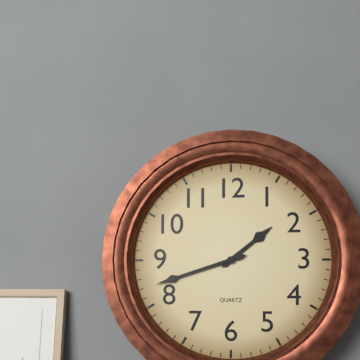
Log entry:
1 h 42 min
